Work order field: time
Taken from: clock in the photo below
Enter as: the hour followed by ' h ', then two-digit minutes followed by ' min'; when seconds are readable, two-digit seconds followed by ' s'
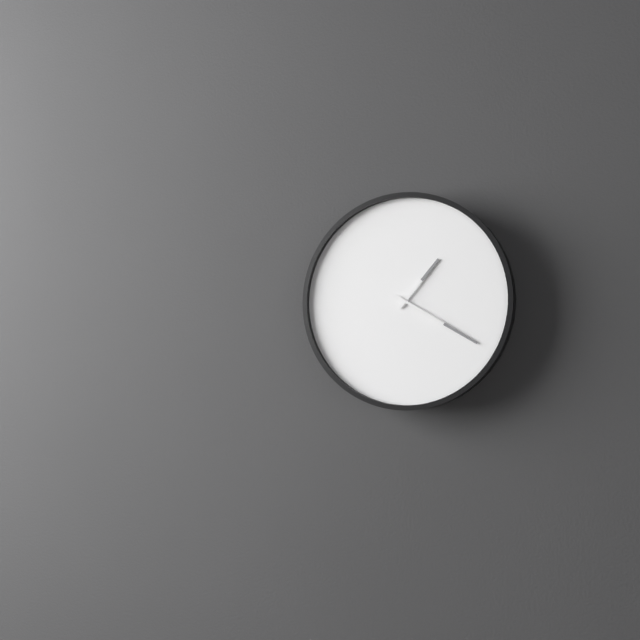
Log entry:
1 h 20 min
